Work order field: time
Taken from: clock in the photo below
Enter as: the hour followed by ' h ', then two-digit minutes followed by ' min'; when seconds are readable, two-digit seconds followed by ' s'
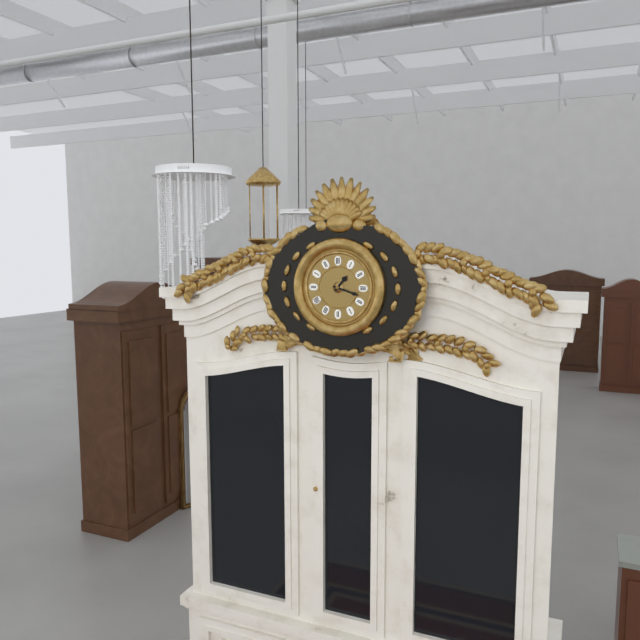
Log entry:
1 h 18 min
